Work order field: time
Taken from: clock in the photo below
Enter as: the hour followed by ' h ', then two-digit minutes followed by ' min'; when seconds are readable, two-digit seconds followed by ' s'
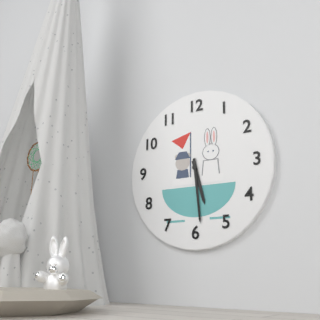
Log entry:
5 h 29 min
